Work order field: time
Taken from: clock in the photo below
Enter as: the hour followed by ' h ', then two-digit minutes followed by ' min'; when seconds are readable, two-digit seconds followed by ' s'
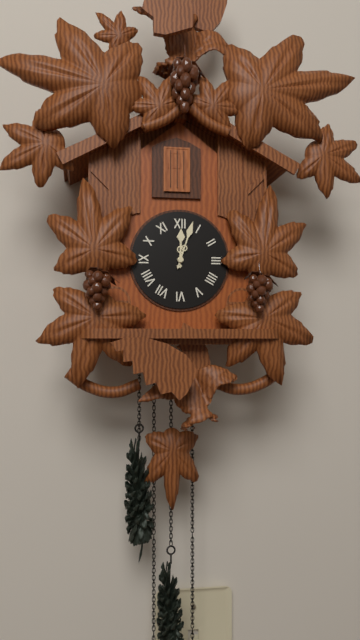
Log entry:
12 h 03 min
